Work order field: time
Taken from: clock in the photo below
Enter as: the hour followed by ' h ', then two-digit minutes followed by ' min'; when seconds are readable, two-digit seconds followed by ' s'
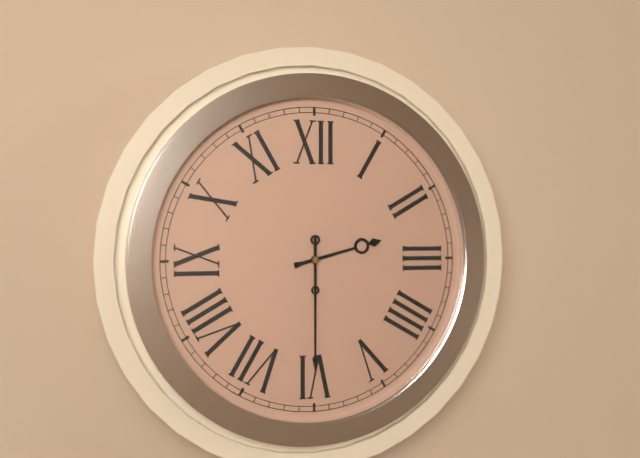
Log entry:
2 h 30 min
